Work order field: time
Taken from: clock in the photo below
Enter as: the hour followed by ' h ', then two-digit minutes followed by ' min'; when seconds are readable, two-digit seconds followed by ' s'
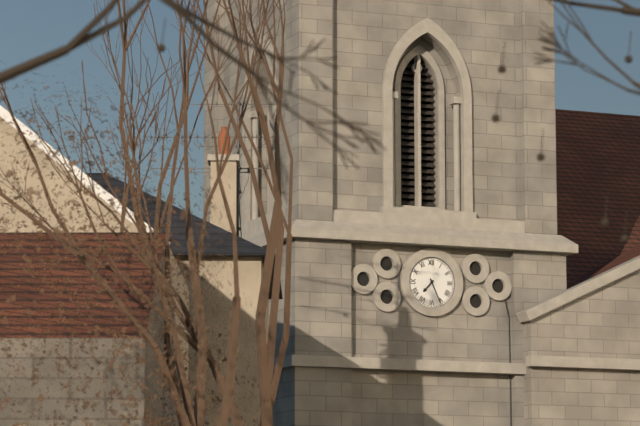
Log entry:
7 h 26 min
